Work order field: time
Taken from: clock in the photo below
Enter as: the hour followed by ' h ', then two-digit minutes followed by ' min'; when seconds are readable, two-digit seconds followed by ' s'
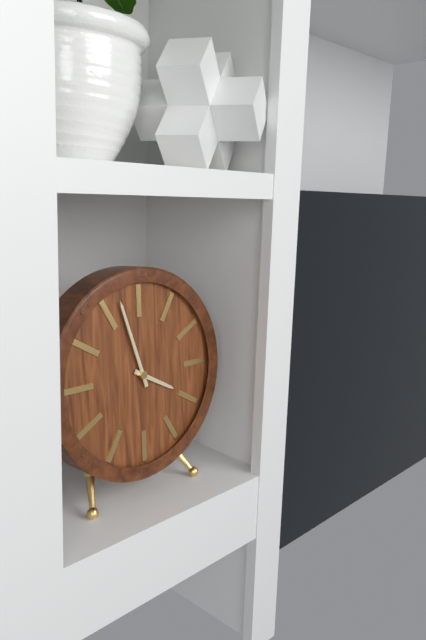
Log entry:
3 h 57 min
